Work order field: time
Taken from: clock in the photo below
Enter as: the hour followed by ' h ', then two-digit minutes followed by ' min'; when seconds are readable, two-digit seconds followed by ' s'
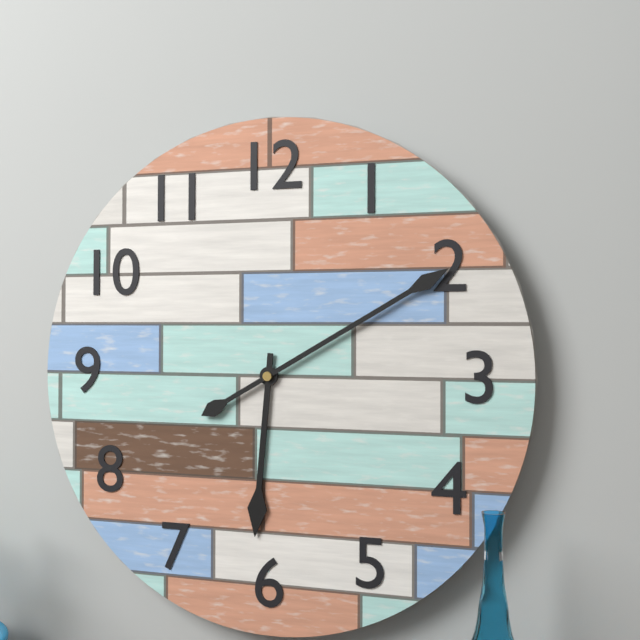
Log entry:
6 h 10 min
